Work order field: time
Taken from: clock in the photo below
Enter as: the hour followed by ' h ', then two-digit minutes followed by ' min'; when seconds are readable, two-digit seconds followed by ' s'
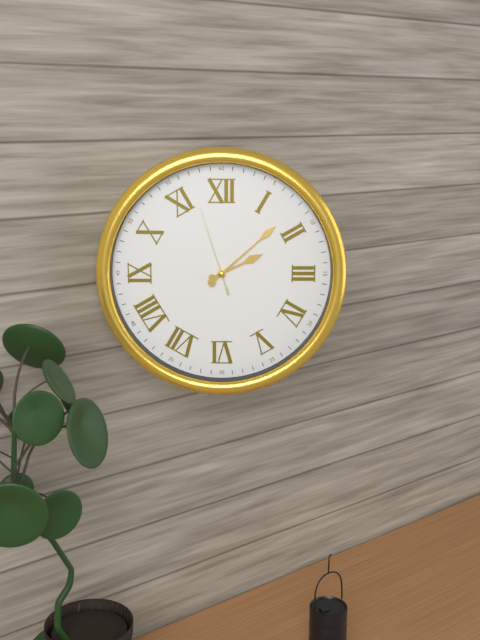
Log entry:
2 h 08 min 57 s
